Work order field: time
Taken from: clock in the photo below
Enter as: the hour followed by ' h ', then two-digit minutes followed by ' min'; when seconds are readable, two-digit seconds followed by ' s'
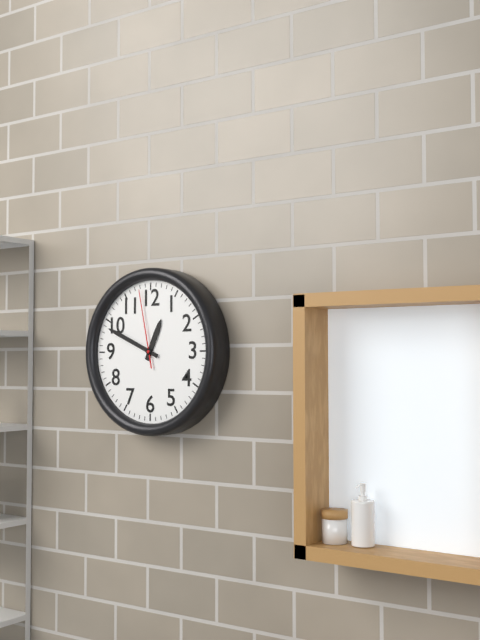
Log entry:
12 h 49 min 58 s
